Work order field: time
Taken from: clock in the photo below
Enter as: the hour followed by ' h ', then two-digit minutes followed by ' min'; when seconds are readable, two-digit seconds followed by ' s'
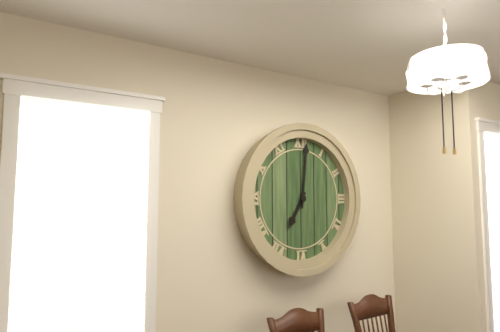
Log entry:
7 h 01 min
